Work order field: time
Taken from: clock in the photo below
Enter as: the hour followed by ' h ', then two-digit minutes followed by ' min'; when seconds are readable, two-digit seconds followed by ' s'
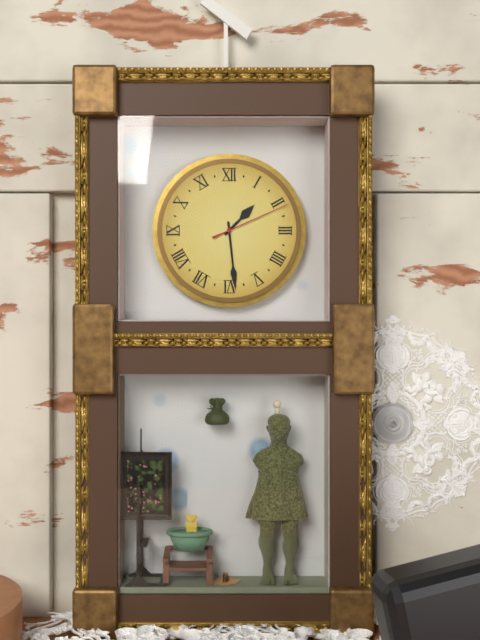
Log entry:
1 h 29 min 11 s
